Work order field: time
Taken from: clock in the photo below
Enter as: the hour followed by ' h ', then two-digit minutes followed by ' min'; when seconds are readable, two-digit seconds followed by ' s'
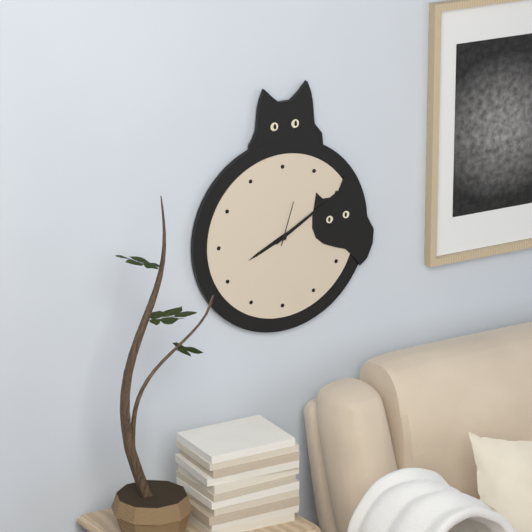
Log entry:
8 h 10 min
